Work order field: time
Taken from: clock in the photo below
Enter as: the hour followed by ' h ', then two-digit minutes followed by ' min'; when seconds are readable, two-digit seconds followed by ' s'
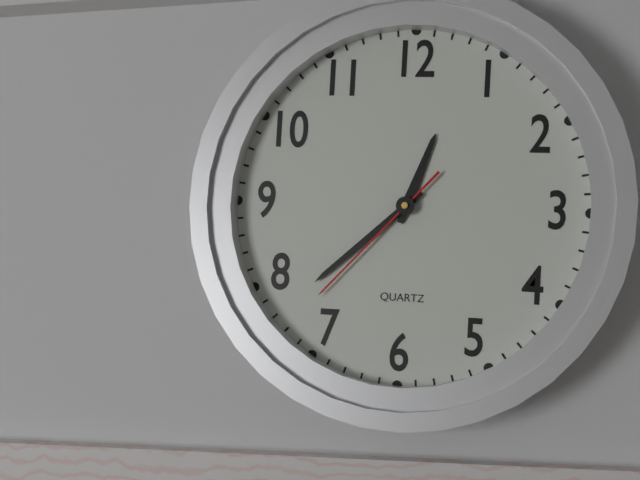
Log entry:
12 h 38 min 37 s
